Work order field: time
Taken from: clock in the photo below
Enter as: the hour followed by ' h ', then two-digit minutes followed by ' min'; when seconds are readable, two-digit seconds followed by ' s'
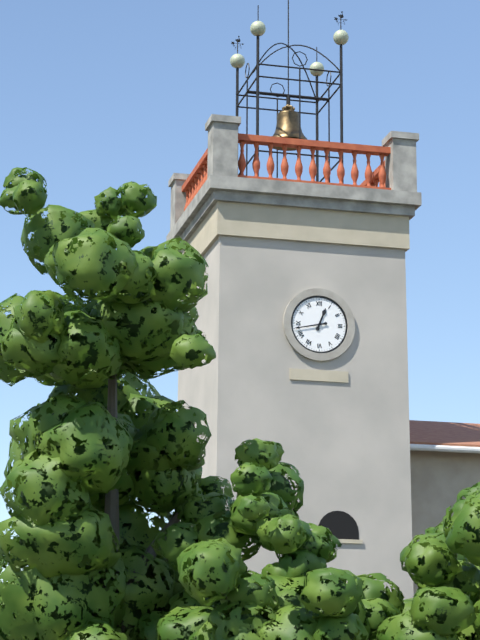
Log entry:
12 h 43 min
